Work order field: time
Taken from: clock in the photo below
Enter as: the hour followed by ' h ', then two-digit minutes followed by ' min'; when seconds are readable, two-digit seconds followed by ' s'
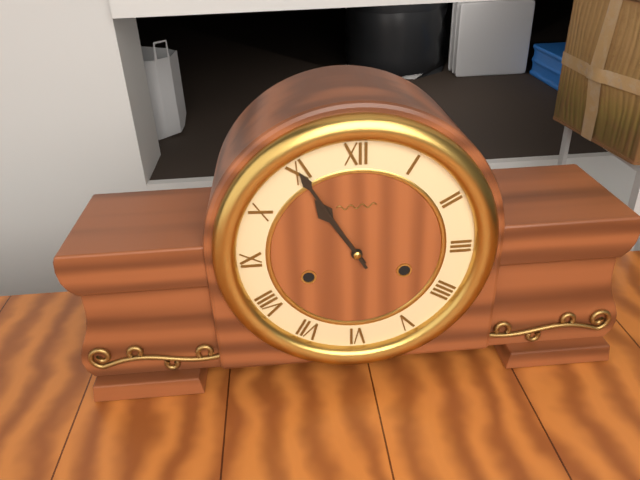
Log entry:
10 h 55 min
